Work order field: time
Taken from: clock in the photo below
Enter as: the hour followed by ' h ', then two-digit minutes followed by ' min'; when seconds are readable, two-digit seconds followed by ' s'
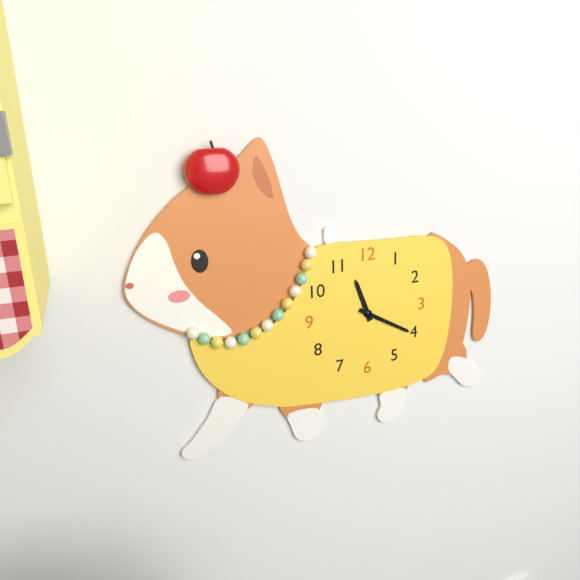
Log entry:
11 h 20 min
